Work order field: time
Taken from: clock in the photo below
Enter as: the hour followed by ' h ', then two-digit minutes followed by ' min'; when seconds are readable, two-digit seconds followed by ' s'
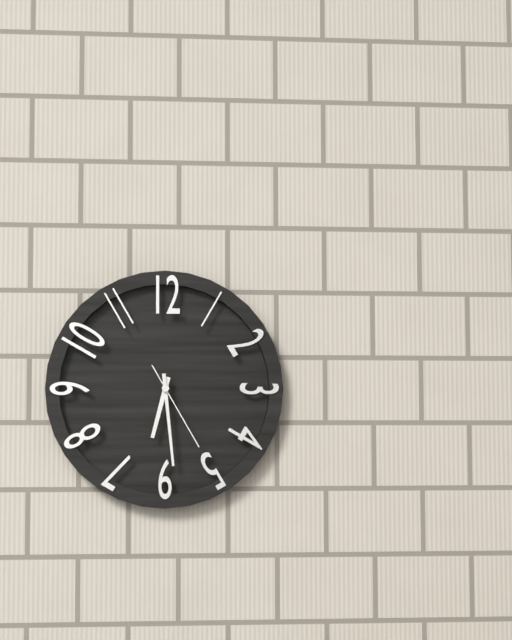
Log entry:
6 h 29 min 25 s
